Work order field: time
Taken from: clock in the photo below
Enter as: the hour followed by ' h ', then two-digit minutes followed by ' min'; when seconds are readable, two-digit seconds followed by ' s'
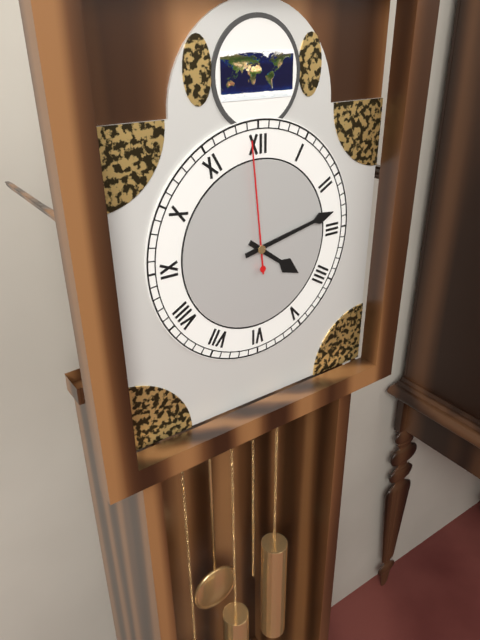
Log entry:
4 h 13 min 59 s
